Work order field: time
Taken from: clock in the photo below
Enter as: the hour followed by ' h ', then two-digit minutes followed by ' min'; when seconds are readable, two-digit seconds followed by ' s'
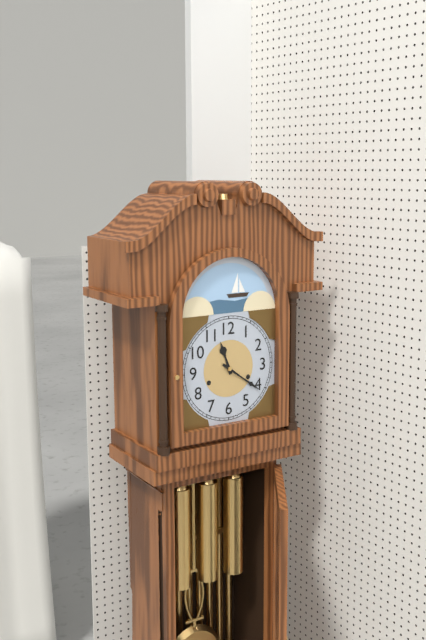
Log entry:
11 h 21 min
